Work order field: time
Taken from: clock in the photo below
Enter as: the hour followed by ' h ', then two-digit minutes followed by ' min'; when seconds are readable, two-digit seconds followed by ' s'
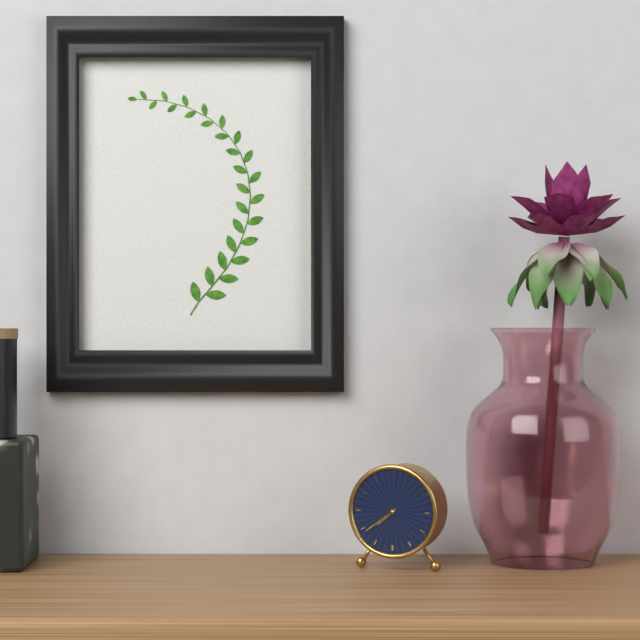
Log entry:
7 h 39 min
